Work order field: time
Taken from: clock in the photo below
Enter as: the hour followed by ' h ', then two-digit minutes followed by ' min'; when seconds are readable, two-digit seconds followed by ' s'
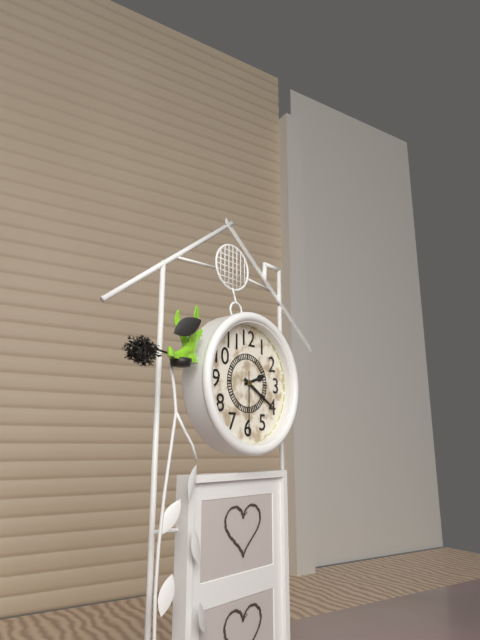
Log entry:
2 h 20 min 30 s
